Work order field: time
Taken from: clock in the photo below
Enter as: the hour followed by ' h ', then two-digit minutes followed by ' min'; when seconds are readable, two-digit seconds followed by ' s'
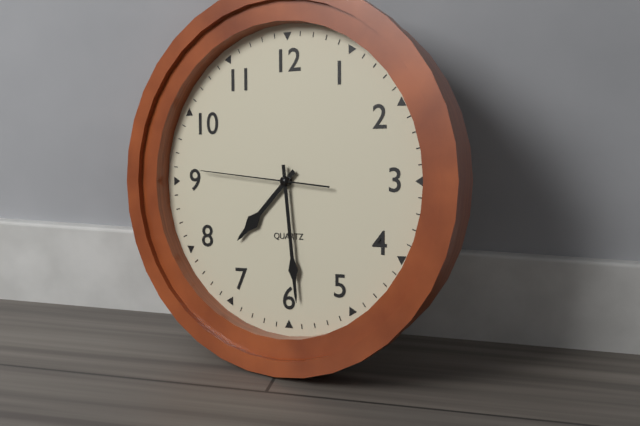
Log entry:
7 h 29 min 46 s
